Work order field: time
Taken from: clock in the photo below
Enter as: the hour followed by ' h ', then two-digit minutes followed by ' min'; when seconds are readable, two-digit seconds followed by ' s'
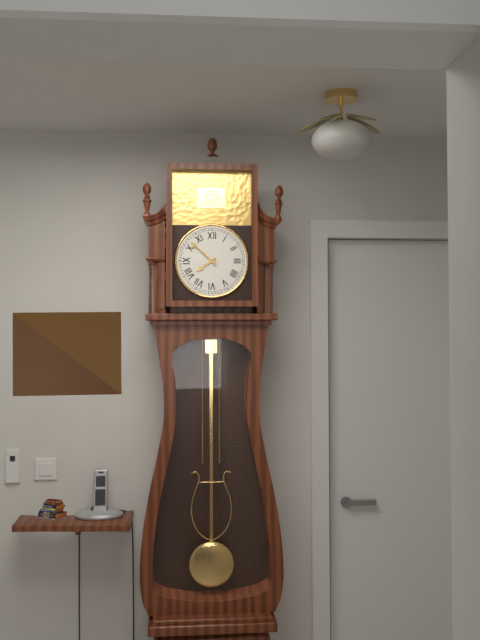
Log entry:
7 h 52 min
